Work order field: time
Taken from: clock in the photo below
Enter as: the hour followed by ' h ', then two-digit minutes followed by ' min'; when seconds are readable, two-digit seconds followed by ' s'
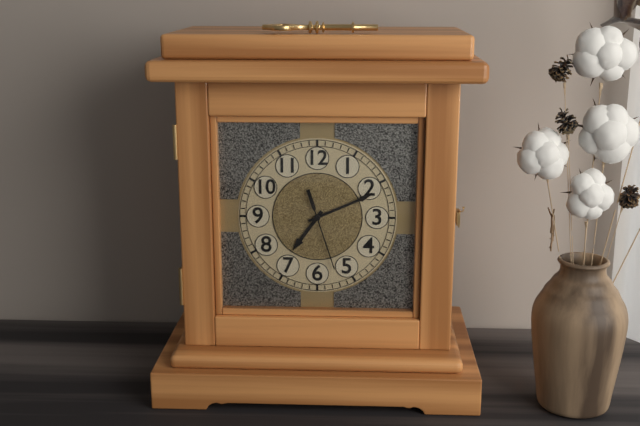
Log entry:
7 h 11 min 27 s
